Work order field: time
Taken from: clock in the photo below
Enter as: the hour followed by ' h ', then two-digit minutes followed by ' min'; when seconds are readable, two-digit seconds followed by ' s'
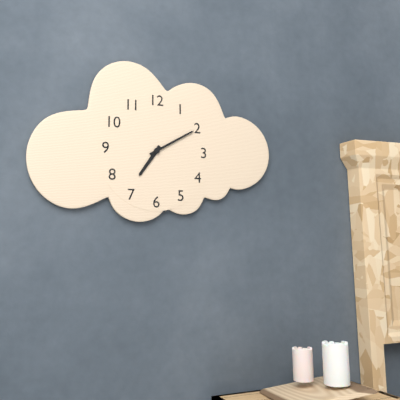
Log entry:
7 h 10 min
